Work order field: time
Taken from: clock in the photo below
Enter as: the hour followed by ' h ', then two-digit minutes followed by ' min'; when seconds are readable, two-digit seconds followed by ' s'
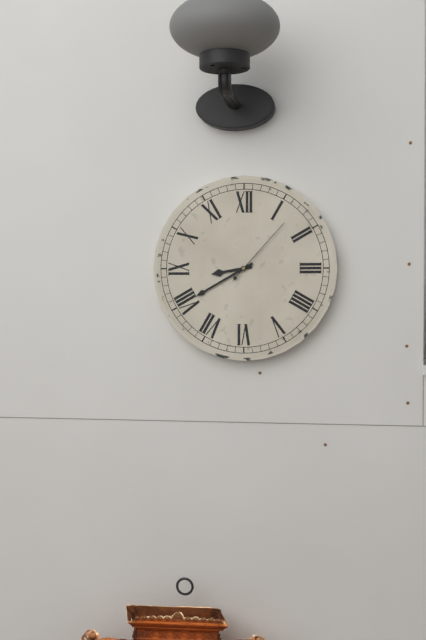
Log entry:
8 h 40 min 07 s
